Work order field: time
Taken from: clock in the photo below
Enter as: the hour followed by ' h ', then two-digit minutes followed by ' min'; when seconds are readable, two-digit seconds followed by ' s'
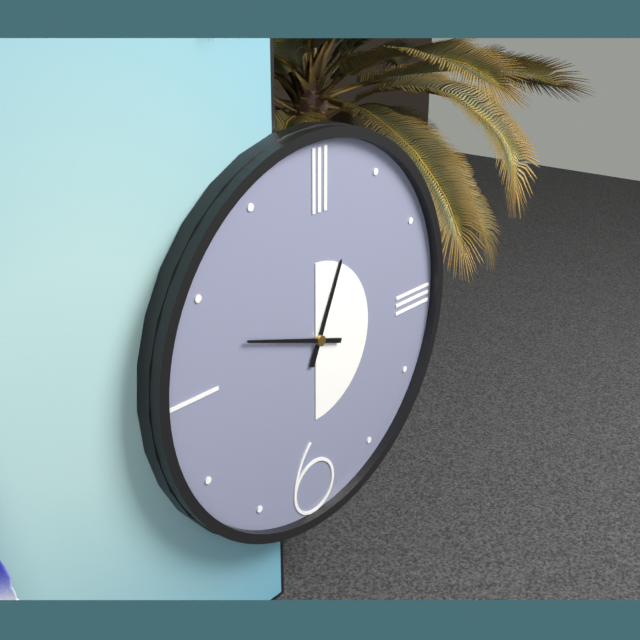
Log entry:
12 h 48 min
